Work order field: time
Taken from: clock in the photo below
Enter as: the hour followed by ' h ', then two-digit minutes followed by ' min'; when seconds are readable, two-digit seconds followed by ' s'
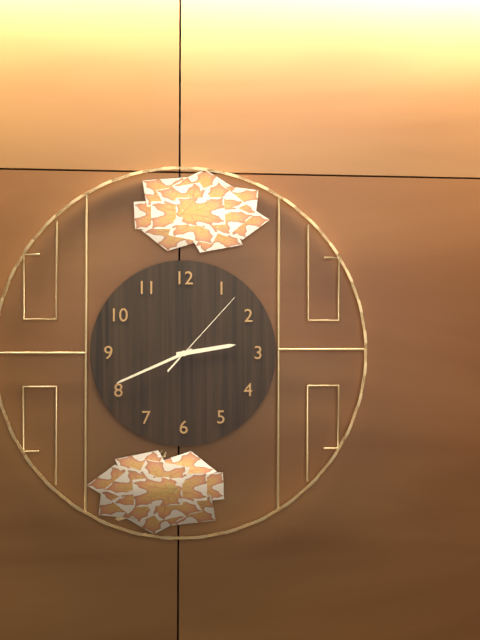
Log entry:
2 h 41 min 07 s
